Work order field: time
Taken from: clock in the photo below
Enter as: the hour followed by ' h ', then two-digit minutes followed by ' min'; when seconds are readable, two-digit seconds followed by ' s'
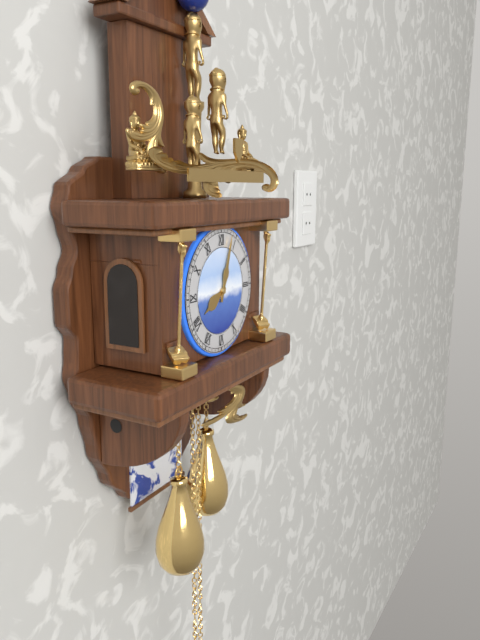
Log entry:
8 h 03 min
